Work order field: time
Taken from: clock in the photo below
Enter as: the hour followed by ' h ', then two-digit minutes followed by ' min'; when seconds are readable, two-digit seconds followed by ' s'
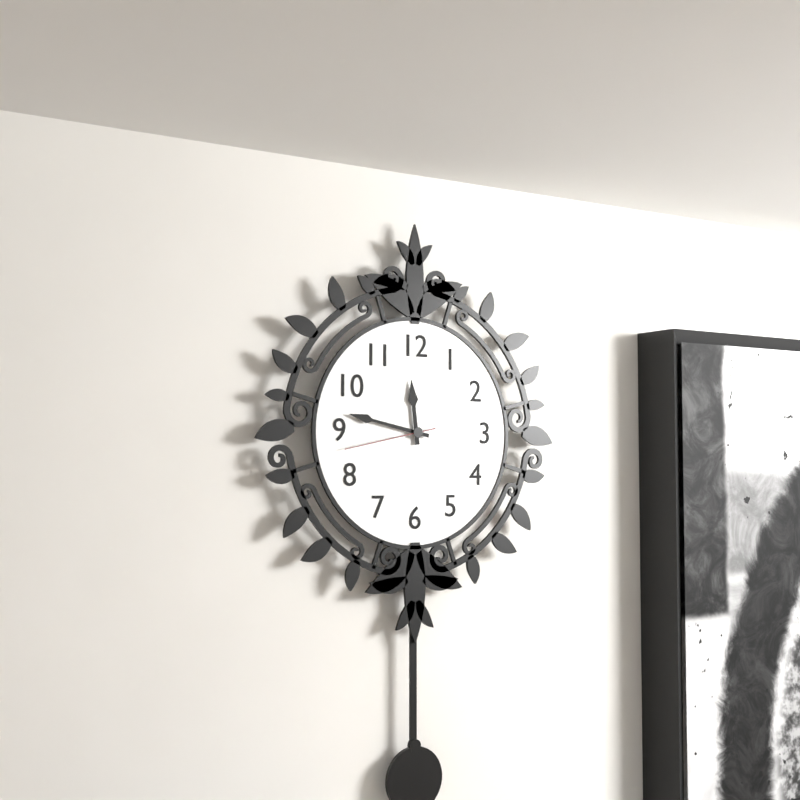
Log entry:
11 h 47 min 43 s
